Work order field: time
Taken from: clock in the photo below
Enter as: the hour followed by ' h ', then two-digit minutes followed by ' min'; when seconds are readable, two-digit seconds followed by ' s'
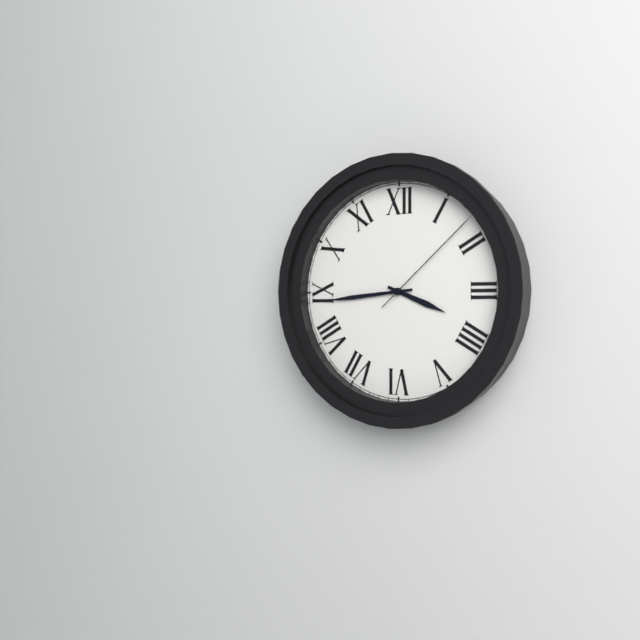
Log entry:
3 h 44 min 08 s
